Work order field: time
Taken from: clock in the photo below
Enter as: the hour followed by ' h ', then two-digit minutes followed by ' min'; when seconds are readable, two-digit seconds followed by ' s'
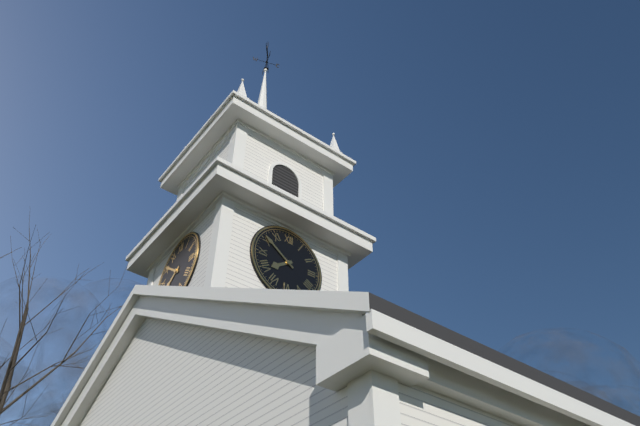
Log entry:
7 h 51 min
